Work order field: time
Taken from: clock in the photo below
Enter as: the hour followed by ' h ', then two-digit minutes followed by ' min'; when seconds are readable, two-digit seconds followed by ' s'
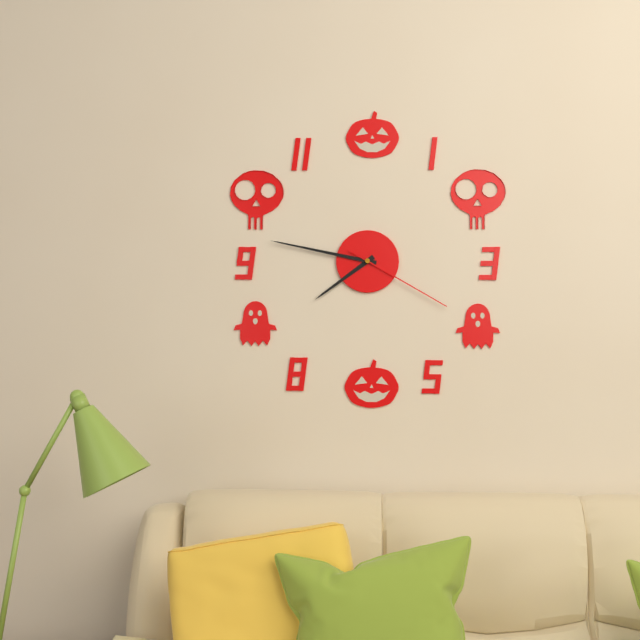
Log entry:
7 h 47 min 20 s
